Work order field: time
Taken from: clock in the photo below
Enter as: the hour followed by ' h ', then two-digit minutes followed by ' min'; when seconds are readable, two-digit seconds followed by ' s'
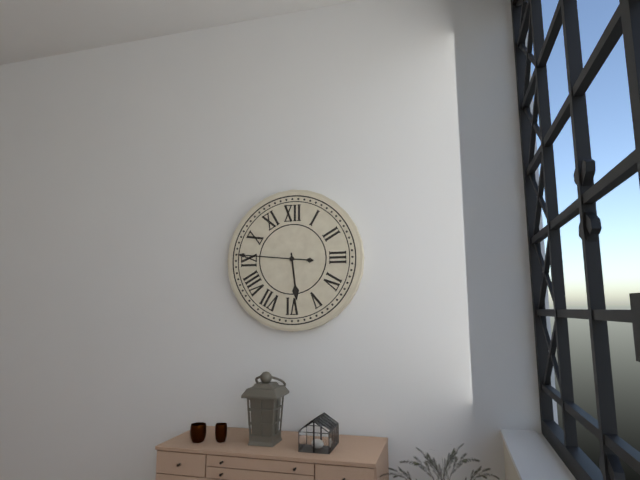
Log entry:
5 h 46 min
